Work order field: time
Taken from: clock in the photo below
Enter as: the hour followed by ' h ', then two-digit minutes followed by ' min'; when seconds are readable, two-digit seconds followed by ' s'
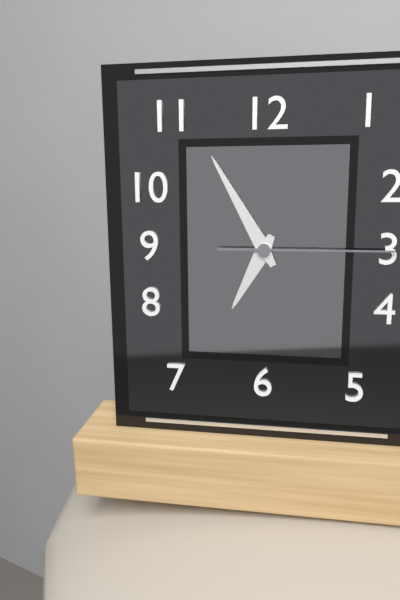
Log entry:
6 h 55 min 15 s
